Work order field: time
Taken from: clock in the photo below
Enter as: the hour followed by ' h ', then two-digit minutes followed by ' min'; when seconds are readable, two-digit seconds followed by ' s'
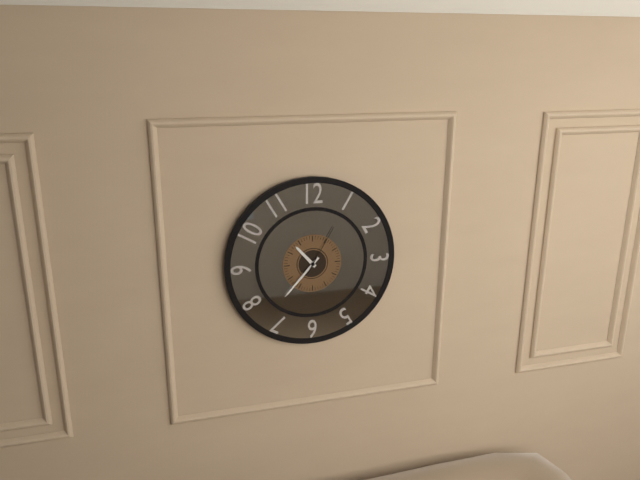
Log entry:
10 h 37 min 05 s
